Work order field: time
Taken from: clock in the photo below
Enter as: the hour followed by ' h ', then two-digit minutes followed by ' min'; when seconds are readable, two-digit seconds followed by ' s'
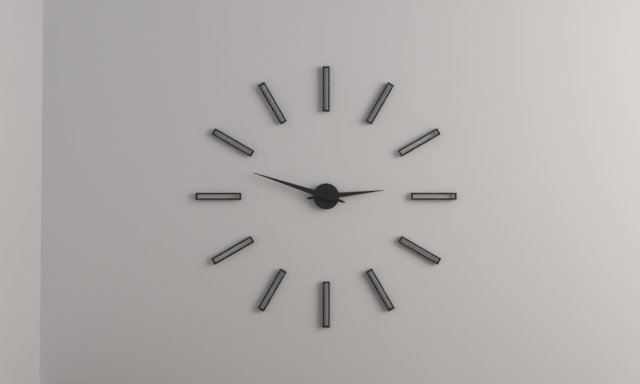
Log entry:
2 h 48 min
